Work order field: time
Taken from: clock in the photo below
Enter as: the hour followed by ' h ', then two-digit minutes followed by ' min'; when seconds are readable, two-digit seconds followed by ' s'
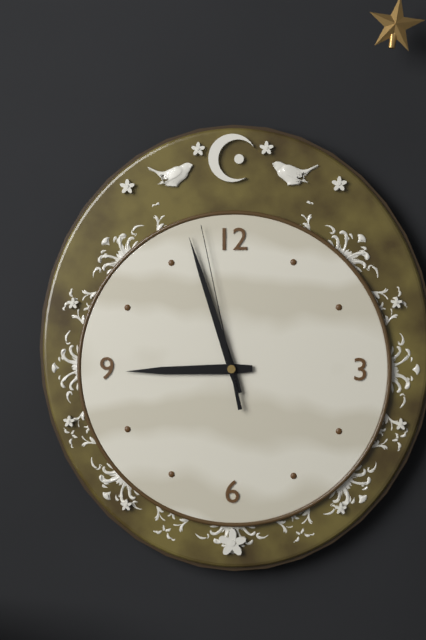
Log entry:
8 h 57 min 58 s
